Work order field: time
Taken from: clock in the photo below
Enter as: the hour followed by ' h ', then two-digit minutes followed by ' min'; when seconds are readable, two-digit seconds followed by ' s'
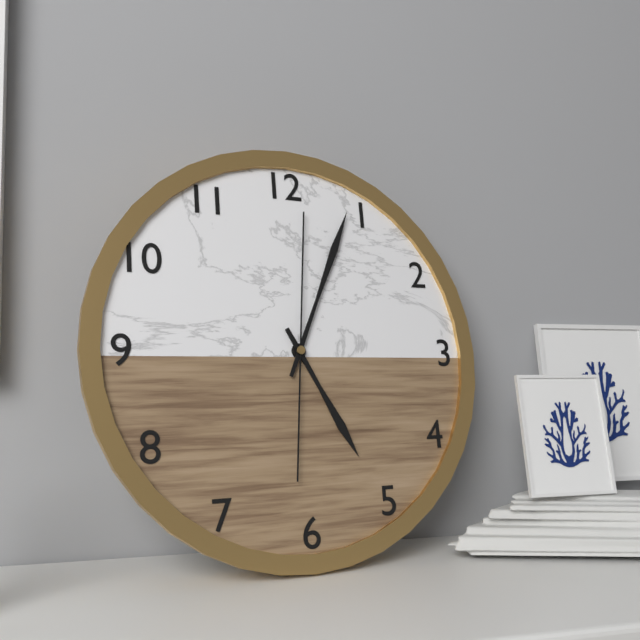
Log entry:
5 h 04 min 01 s
